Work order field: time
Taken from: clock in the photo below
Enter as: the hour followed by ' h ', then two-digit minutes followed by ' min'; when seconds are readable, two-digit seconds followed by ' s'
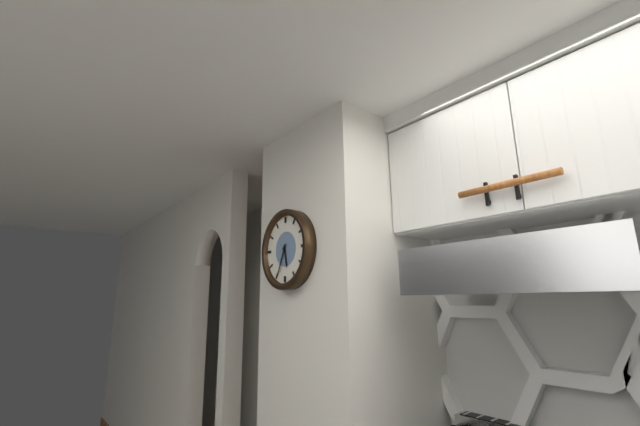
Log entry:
5 h 34 min
